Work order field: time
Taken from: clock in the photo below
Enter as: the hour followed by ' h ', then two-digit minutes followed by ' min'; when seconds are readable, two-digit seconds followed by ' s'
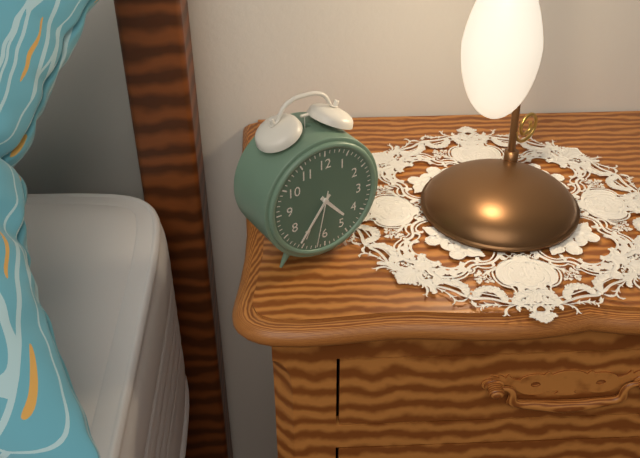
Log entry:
4 h 36 min 32 s
